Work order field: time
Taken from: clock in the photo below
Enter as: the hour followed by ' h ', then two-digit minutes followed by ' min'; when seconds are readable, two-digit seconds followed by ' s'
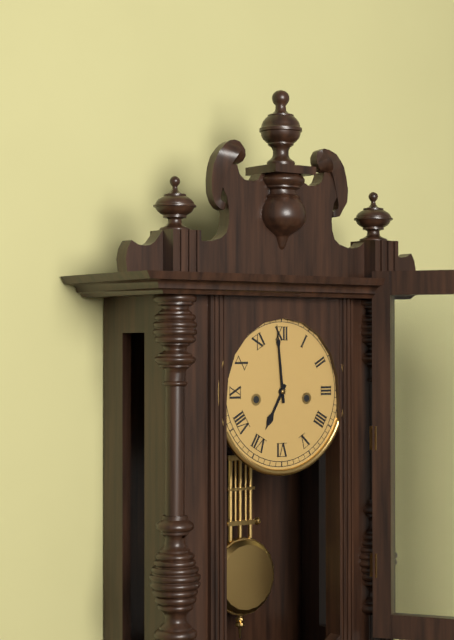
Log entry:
6 h 59 min
